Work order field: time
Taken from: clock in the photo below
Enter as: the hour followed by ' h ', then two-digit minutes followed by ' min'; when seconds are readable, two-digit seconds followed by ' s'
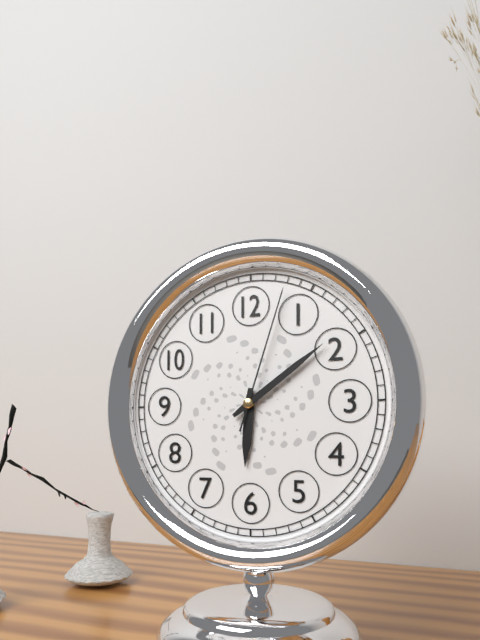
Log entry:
6 h 09 min 03 s
